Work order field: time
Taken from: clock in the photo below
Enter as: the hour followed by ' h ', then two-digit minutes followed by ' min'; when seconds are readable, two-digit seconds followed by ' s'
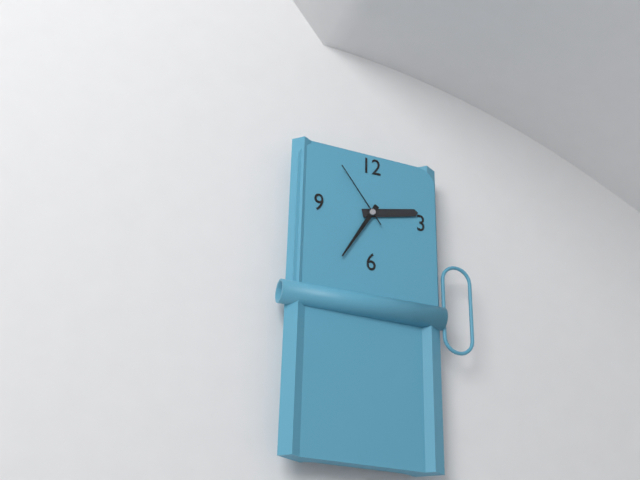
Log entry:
2 h 35 min 54 s
